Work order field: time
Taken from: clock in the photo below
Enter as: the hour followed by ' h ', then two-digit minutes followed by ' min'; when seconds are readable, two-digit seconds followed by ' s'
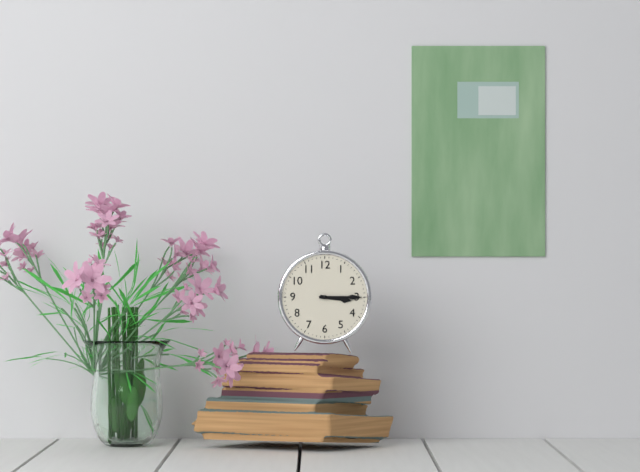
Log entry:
3 h 15 min
